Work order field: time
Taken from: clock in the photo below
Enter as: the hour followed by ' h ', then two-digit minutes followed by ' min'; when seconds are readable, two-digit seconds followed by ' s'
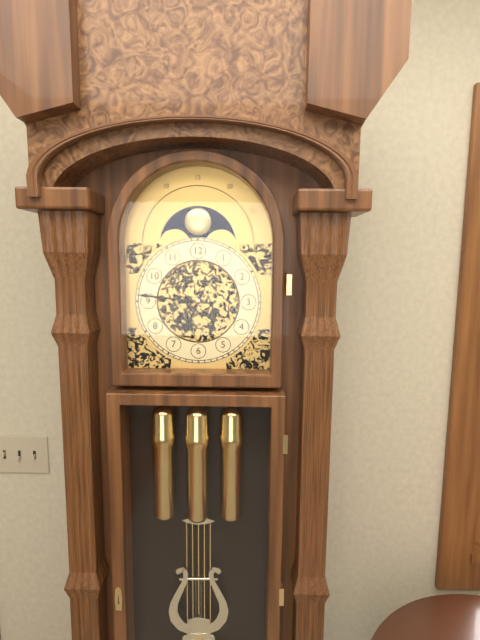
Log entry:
6 h 46 min
